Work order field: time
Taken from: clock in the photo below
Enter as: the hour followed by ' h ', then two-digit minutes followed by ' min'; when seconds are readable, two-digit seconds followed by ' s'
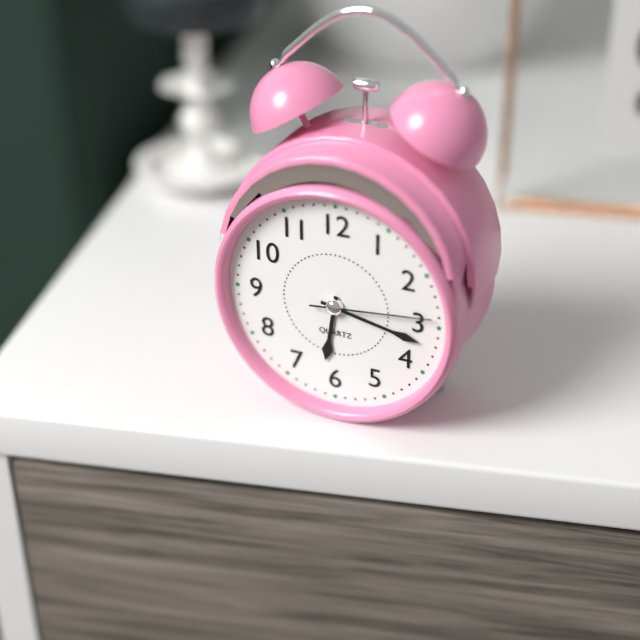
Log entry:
6 h 17 min 14 s
